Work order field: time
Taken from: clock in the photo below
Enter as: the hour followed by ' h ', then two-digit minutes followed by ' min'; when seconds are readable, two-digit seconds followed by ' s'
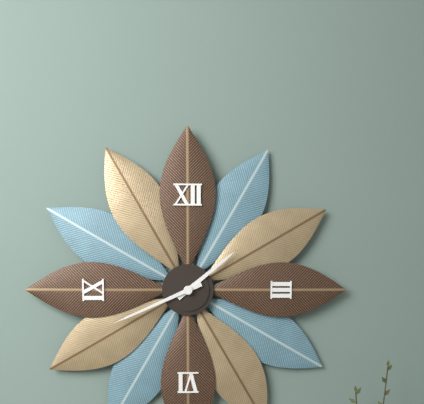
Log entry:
1 h 41 min
